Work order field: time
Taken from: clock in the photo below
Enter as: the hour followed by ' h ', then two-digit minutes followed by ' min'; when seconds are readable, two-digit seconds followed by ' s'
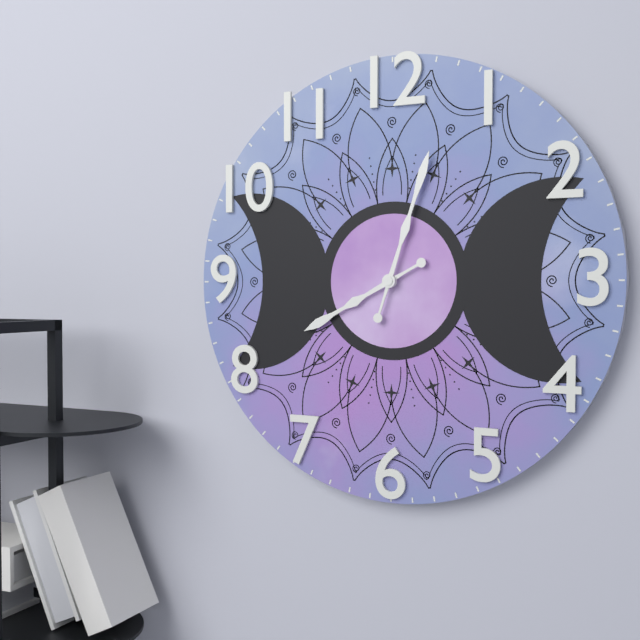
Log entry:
8 h 03 min
